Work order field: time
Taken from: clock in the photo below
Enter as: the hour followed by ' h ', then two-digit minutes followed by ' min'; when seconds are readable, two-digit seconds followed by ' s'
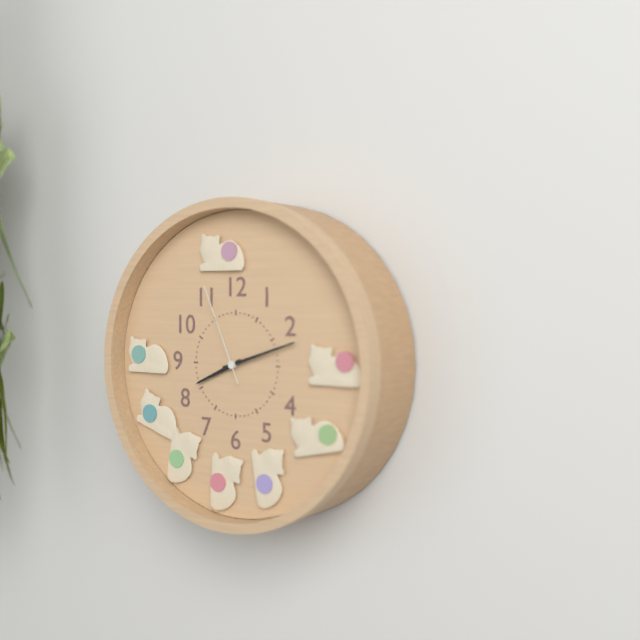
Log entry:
8 h 12 min 56 s
